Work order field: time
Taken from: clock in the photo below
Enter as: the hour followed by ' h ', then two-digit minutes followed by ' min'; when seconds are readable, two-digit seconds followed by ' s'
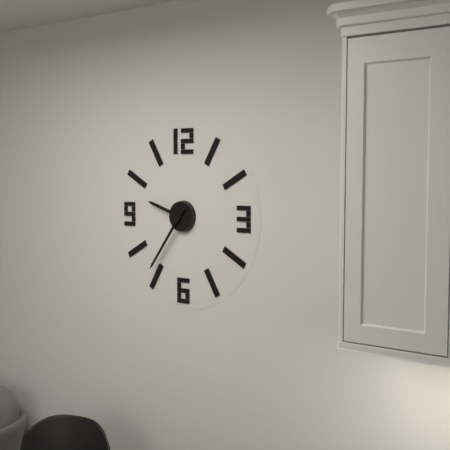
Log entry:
9 h 36 min
